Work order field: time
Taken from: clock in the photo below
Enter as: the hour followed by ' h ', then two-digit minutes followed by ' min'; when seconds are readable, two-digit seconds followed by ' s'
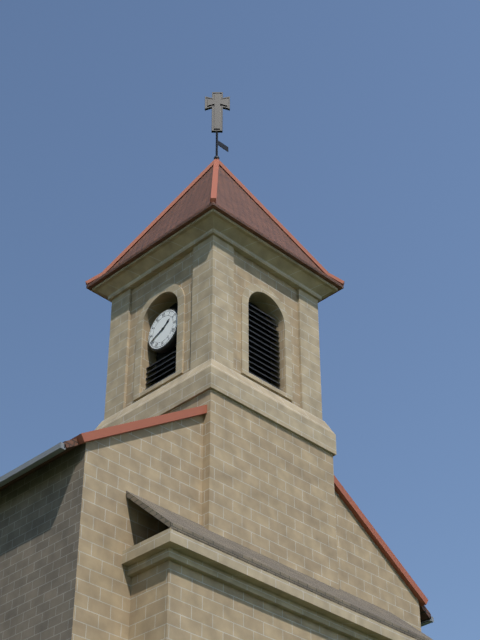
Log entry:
1 h 41 min
